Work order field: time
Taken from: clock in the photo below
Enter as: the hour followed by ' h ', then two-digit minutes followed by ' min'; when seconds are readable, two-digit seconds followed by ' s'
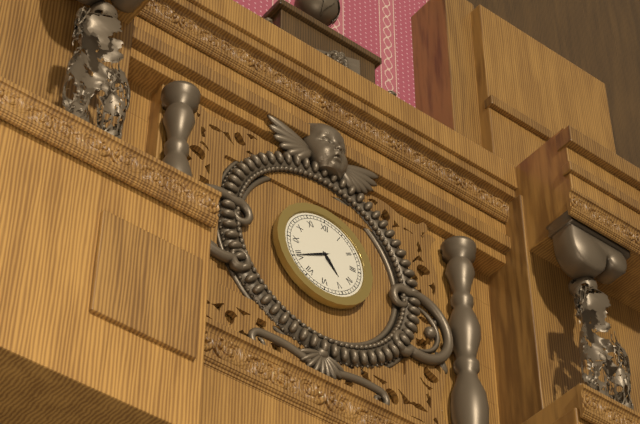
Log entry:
4 h 40 min
